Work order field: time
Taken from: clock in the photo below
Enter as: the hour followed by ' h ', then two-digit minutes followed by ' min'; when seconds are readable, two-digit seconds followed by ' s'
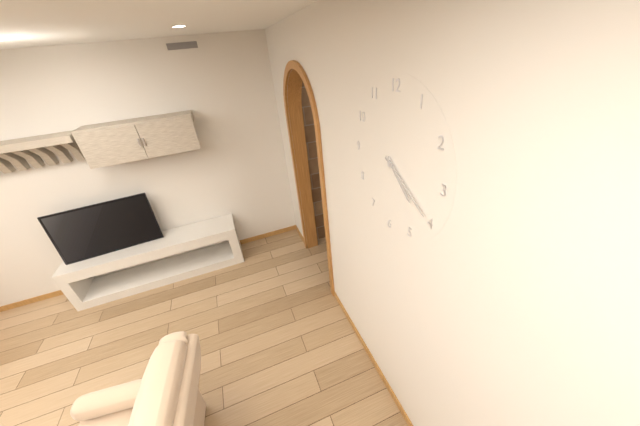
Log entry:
4 h 20 min
